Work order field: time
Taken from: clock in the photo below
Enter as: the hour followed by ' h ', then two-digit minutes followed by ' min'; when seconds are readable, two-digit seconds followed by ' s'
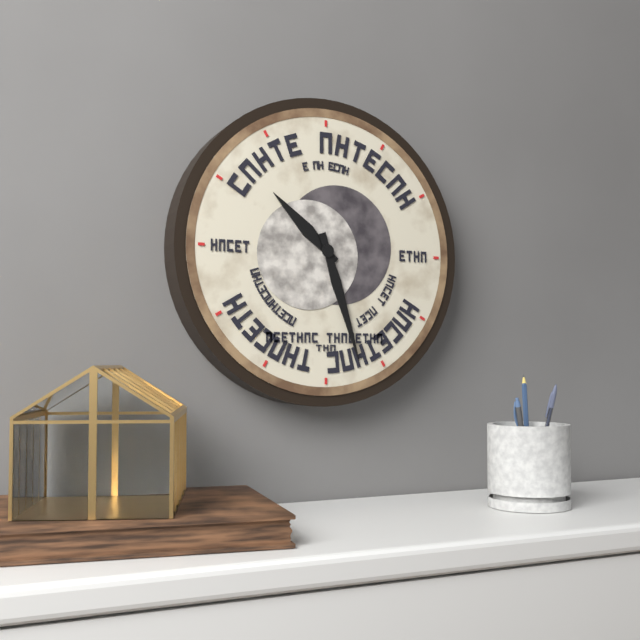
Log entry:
10 h 27 min
